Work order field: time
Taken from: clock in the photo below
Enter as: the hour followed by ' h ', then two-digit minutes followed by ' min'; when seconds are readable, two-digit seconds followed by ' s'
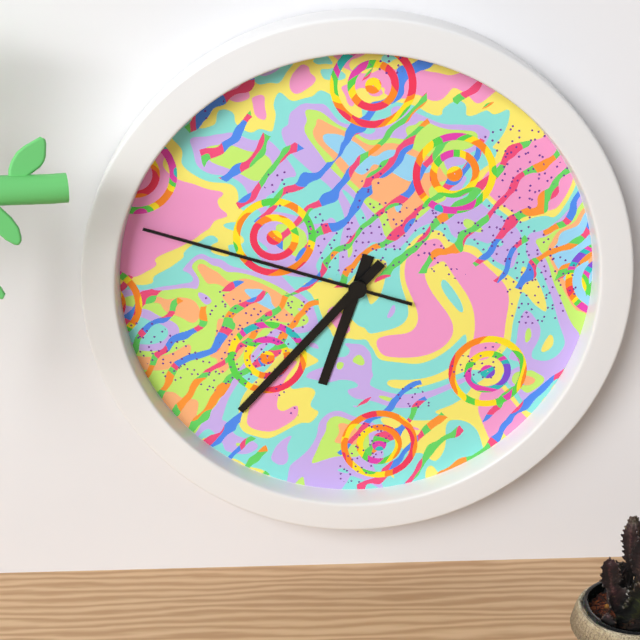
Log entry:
6 h 37 min 48 s
